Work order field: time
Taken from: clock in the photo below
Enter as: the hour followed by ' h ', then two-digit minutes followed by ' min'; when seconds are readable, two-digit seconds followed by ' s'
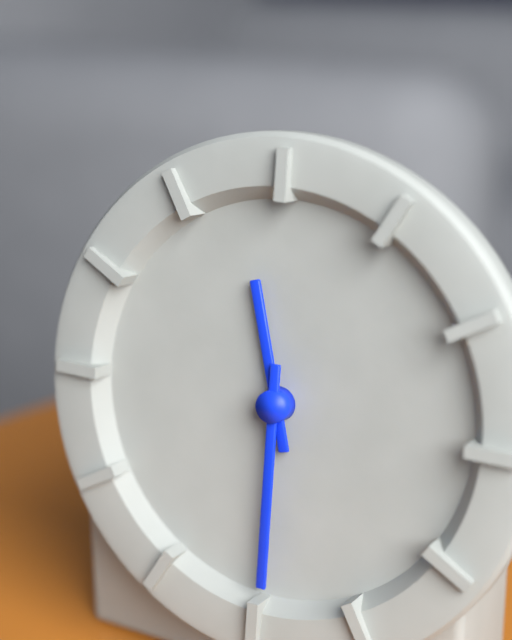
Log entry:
11 h 30 min
